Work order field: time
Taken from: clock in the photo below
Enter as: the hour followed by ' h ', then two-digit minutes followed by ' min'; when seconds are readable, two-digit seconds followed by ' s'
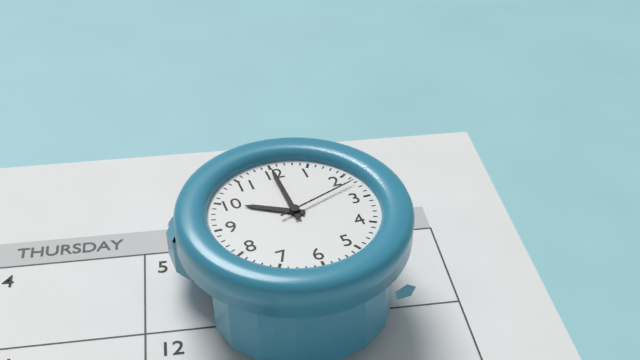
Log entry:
10 h 00 min 12 s
